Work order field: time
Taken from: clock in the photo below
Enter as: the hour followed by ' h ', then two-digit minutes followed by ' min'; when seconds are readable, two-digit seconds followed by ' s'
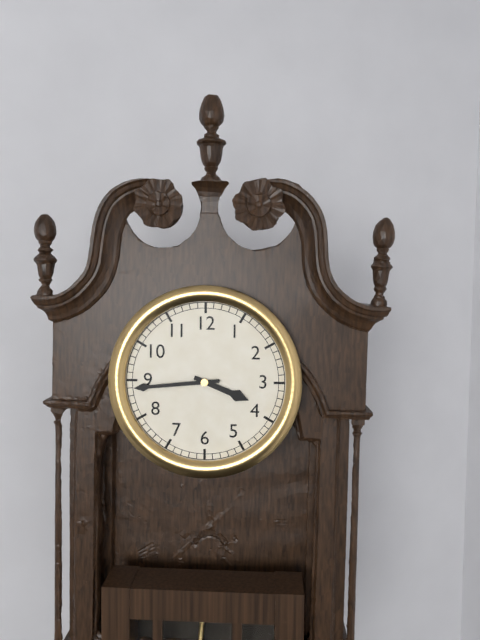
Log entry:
3 h 44 min
